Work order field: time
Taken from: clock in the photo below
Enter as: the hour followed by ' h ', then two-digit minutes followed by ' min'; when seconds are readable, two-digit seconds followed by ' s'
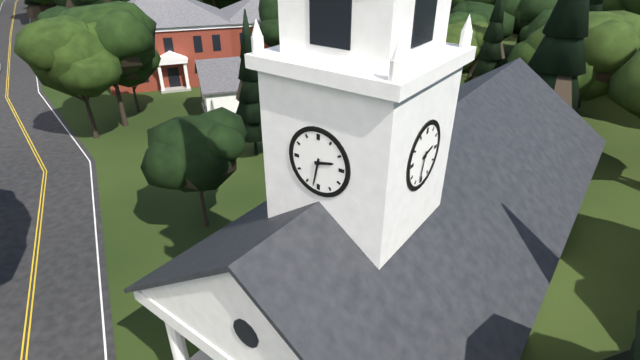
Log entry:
2 h 32 min
